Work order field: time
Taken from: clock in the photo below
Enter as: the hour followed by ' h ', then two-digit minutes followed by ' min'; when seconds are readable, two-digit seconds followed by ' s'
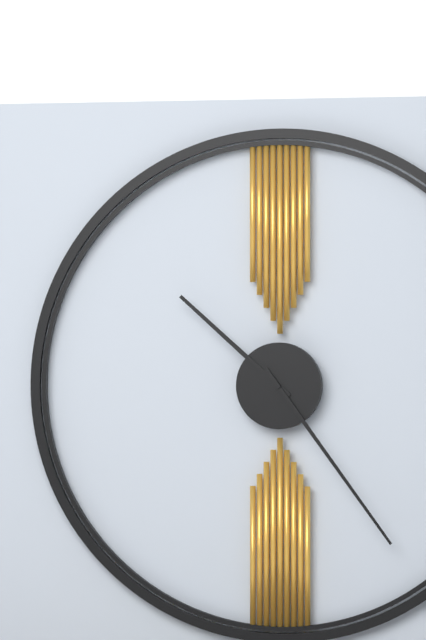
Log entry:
10 h 24 min
